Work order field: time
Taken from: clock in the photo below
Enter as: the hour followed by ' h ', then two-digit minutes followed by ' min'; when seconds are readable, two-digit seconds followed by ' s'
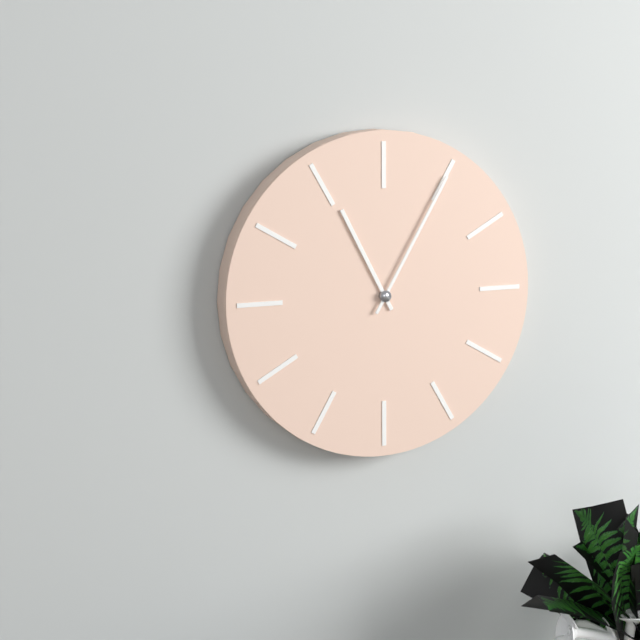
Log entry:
11 h 05 min
